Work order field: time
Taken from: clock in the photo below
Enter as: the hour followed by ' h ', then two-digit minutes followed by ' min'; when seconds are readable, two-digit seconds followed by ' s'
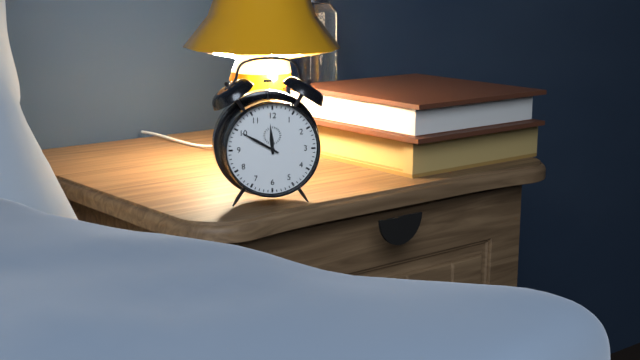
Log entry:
11 h 50 min
